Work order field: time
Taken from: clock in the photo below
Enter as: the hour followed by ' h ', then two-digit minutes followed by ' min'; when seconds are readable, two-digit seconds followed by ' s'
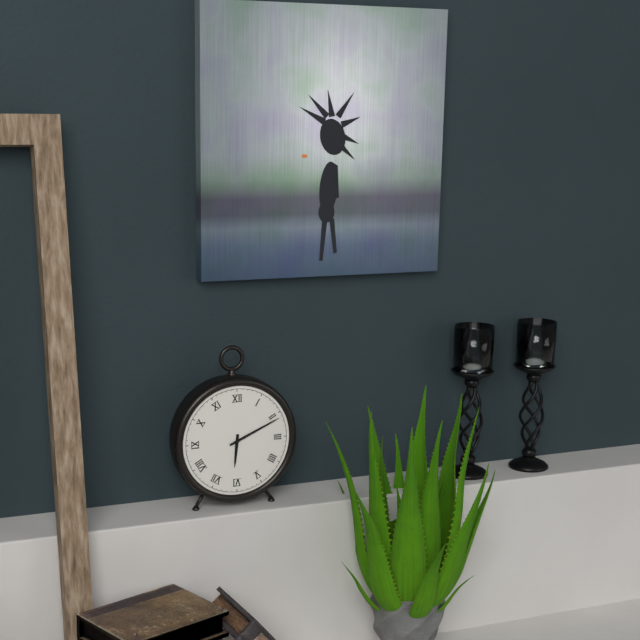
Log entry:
6 h 11 min
